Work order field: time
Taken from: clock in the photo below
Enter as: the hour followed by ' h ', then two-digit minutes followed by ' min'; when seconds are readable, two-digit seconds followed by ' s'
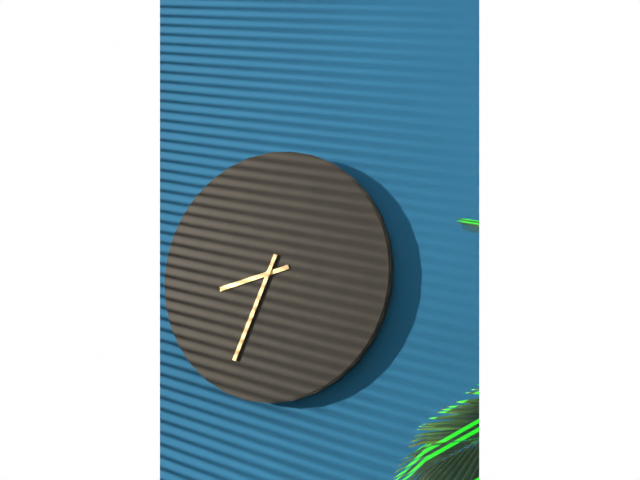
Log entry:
8 h 34 min
